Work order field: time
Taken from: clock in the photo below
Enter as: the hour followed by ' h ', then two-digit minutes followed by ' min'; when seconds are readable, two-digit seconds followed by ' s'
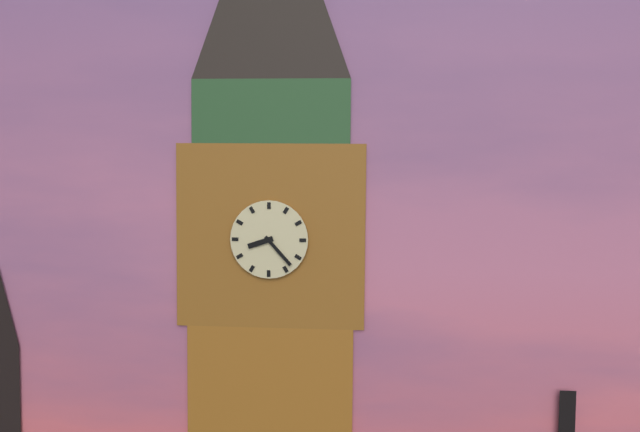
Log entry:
8 h 23 min
